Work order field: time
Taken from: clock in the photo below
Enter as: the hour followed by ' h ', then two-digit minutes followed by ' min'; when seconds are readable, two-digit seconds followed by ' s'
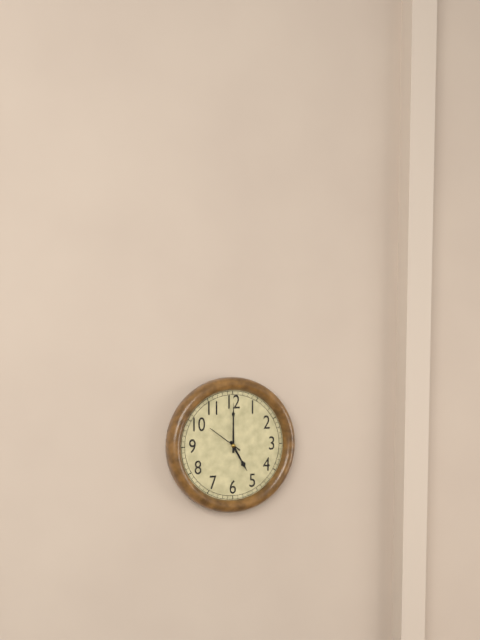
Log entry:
5 h 00 min
